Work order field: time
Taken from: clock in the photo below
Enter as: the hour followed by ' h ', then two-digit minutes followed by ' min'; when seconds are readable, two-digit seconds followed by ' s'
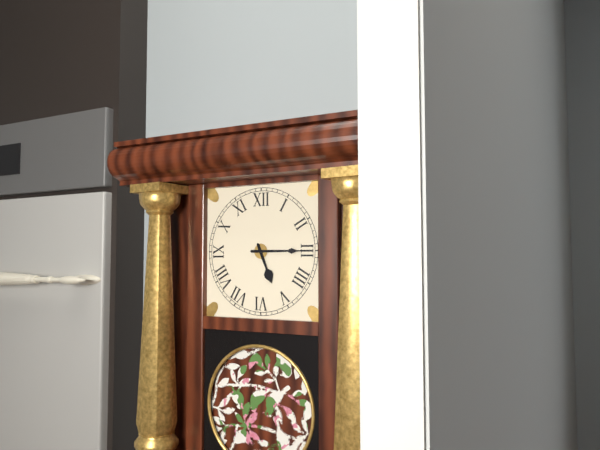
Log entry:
5 h 15 min
